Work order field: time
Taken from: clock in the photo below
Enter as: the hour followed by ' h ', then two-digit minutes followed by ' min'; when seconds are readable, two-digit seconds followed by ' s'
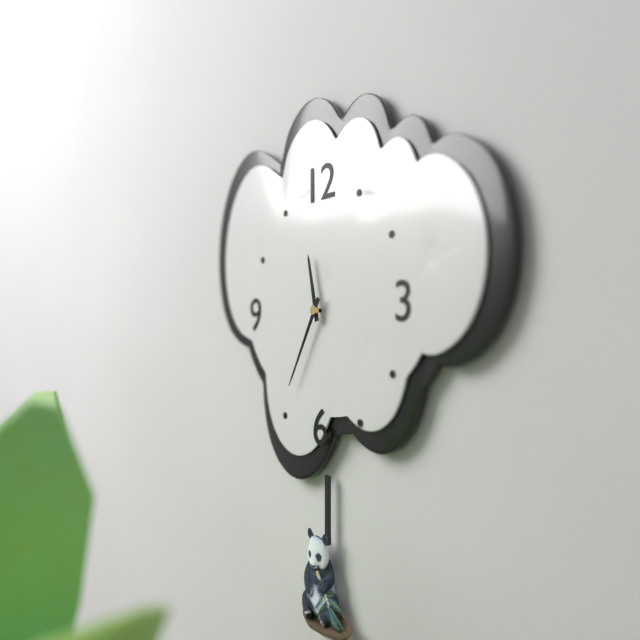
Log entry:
11 h 35 min
